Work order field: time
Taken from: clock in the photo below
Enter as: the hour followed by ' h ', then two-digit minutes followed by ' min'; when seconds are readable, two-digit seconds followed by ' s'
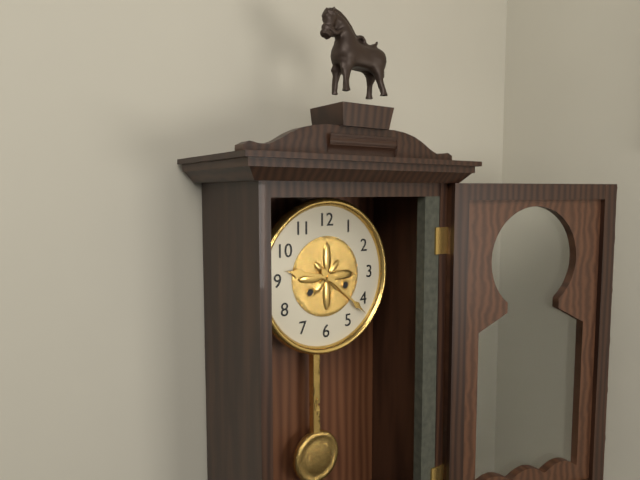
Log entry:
9 h 22 min
